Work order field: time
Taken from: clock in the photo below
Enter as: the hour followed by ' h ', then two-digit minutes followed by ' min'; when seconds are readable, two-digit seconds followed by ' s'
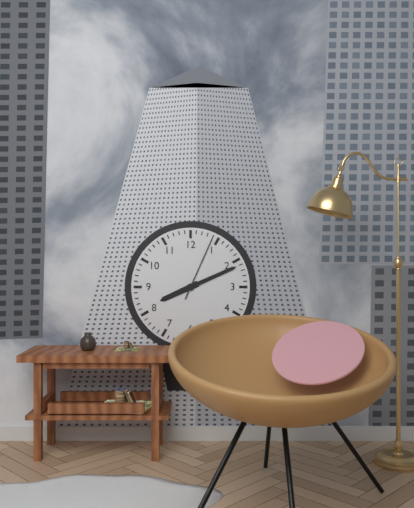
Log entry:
8 h 11 min 04 s
